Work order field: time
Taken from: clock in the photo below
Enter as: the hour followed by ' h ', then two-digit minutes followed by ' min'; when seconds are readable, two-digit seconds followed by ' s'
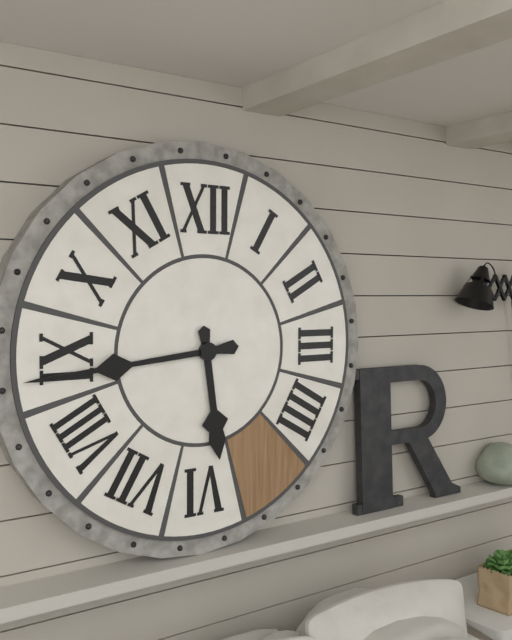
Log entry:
5 h 44 min
